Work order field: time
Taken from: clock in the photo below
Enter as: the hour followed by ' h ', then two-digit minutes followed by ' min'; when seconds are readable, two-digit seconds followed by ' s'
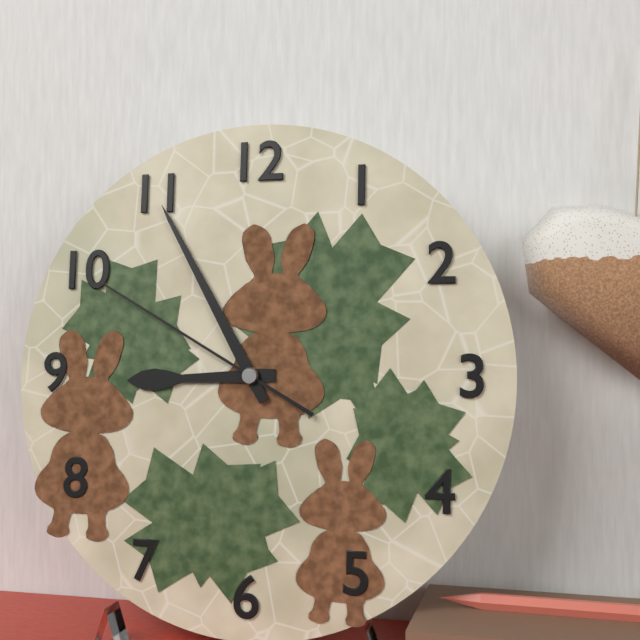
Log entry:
8 h 55 min 50 s
